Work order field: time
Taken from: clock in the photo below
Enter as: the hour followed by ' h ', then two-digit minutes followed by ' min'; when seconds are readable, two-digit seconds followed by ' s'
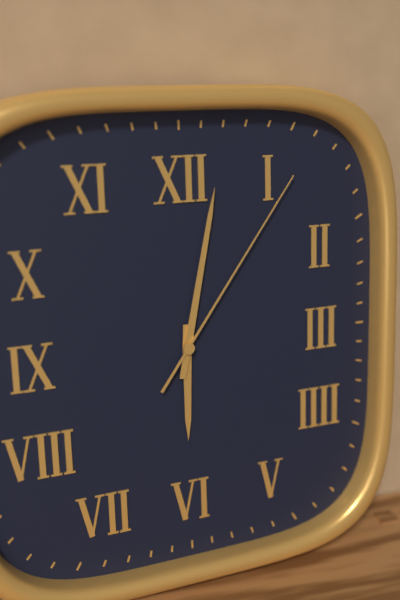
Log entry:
6 h 02 min 06 s
